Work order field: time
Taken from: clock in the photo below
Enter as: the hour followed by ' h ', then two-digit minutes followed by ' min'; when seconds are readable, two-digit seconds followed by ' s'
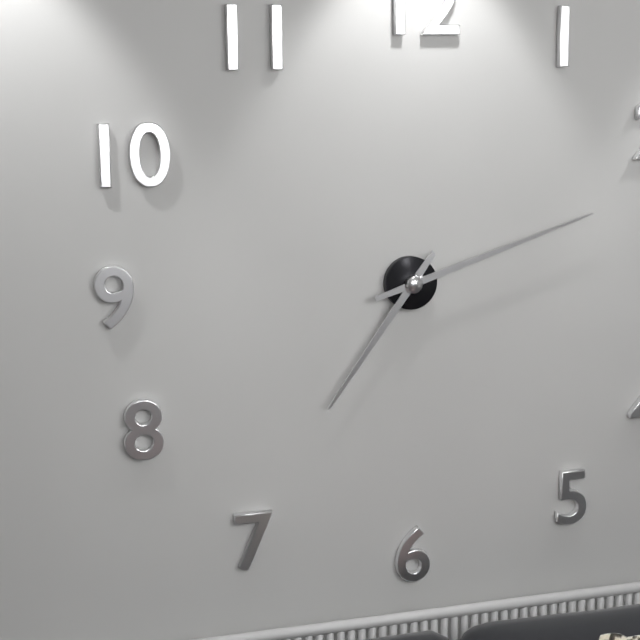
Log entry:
7 h 12 min
